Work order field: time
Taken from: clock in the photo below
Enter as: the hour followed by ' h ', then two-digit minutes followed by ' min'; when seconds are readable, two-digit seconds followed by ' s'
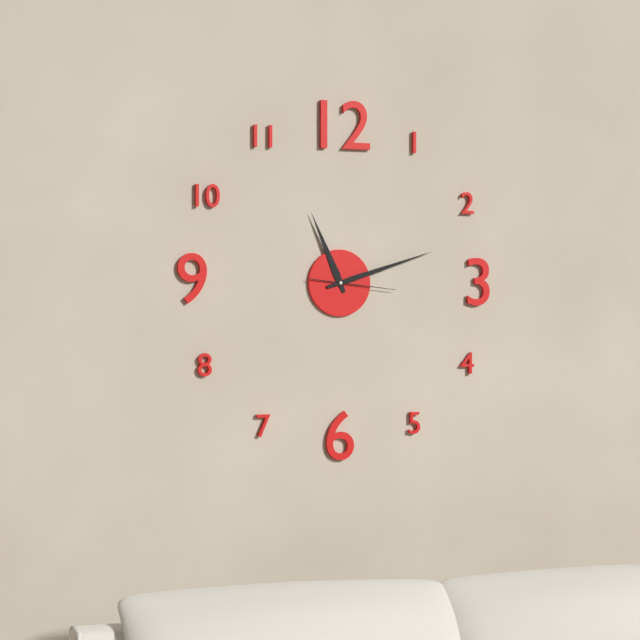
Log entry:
11 h 12 min 16 s
